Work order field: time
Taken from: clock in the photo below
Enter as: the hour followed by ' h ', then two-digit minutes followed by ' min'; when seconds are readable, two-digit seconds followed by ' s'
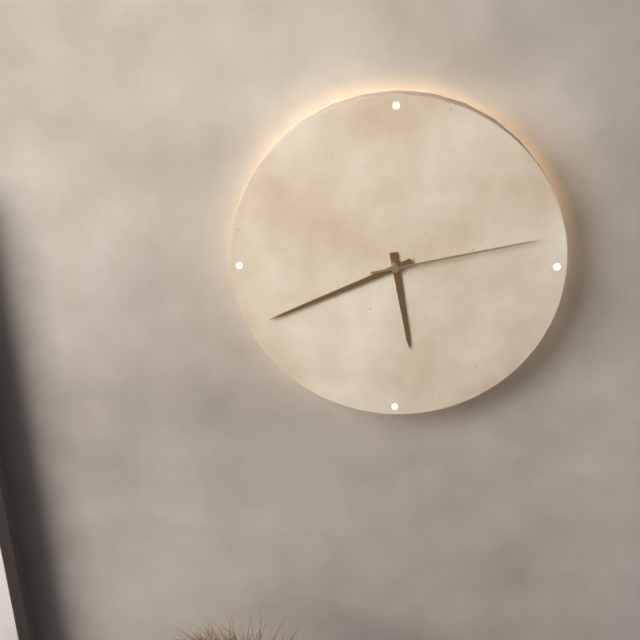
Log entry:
5 h 41 min 13 s
